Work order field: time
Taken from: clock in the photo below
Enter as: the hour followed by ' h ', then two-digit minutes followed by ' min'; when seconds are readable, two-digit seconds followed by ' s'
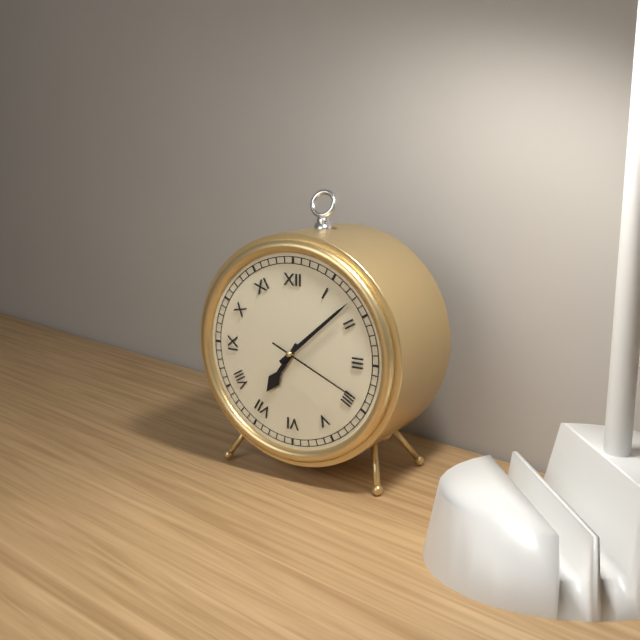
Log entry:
7 h 08 min 19 s
